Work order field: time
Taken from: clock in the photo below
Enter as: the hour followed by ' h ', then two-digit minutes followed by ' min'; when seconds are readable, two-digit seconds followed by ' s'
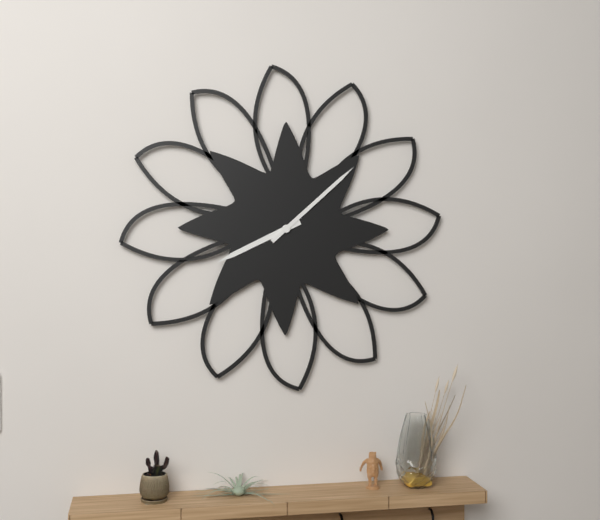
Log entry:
8 h 08 min
